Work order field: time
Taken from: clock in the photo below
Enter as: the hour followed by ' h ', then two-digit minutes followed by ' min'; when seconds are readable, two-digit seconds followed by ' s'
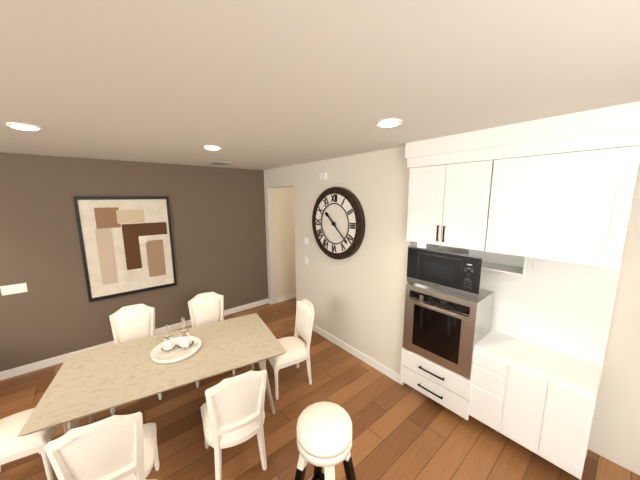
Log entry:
10 h 22 min
